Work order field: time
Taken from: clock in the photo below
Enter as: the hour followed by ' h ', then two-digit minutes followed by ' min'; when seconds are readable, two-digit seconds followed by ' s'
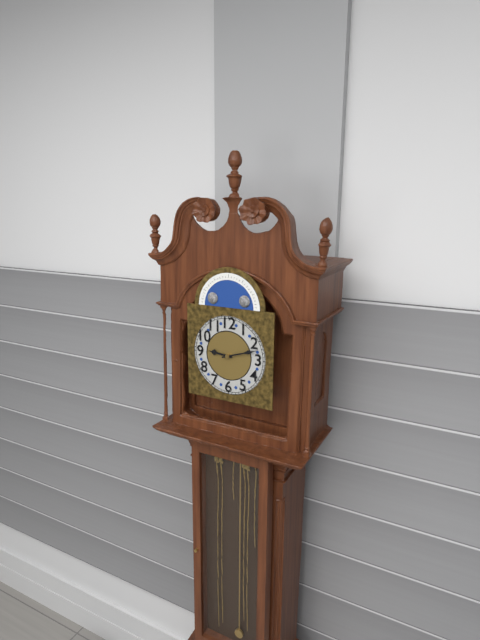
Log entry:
9 h 12 min
